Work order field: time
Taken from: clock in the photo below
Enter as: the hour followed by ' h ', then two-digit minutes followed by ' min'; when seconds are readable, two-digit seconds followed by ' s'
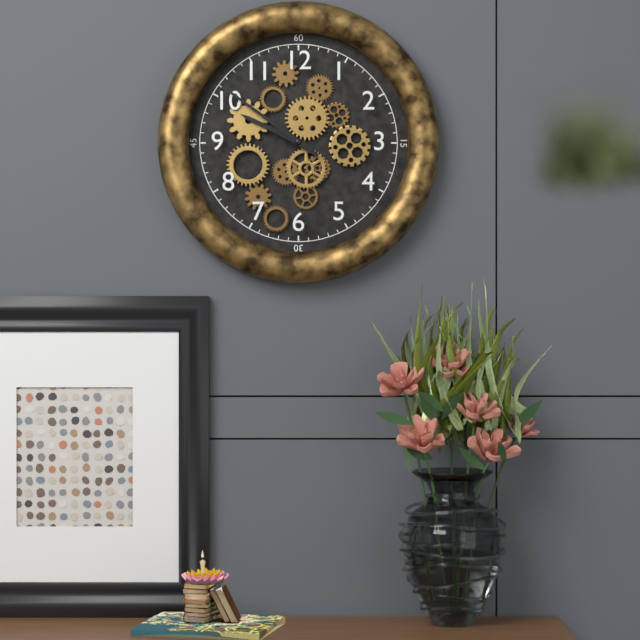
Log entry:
9 h 51 min
